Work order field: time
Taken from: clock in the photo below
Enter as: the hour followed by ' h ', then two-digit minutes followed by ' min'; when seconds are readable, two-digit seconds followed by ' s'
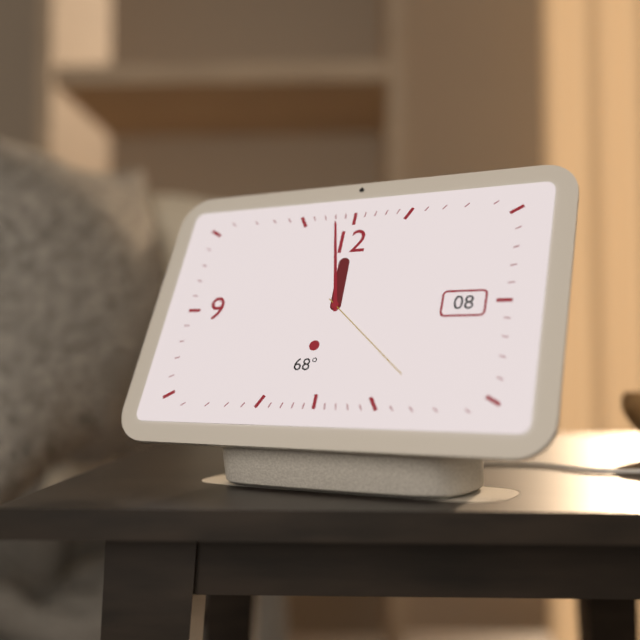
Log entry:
11 h 58 min 22 s
